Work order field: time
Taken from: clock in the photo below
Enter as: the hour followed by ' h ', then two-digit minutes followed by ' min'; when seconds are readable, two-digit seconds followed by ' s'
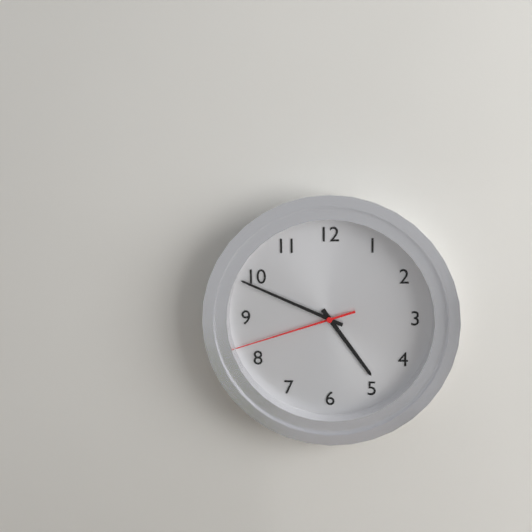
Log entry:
4 h 49 min 42 s
